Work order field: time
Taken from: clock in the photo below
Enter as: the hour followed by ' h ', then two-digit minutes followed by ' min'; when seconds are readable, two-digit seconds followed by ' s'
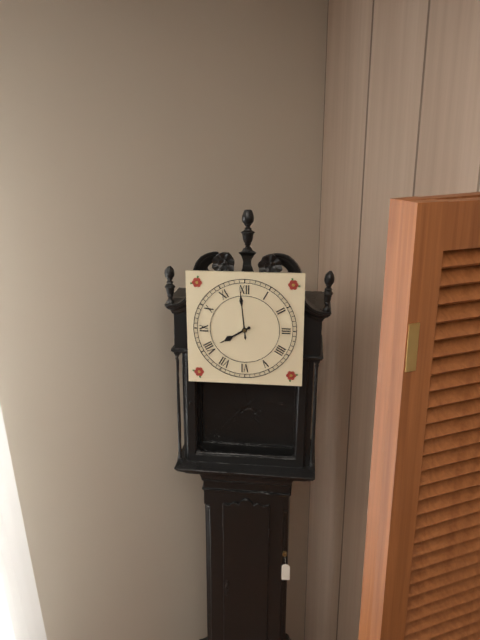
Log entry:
7 h 59 min
